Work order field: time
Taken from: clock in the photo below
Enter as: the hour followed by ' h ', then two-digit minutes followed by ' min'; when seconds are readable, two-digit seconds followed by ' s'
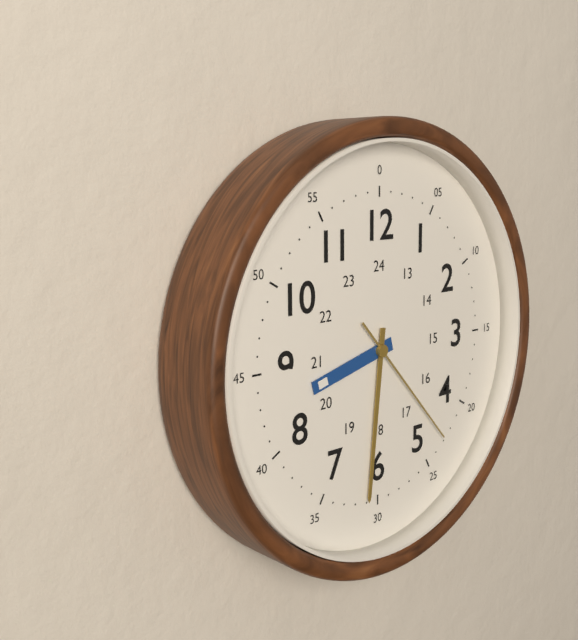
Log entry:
8 h 31 min 23 s
